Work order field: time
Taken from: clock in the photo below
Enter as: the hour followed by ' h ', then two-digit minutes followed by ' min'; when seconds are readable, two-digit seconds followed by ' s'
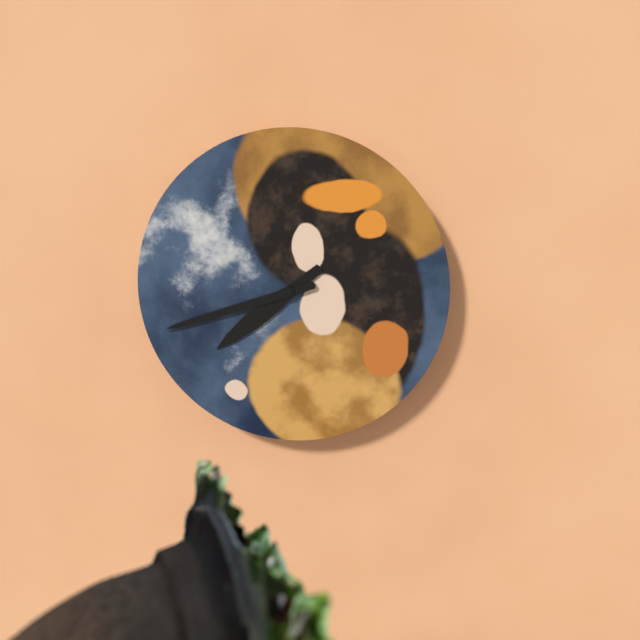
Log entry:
7 h 42 min
